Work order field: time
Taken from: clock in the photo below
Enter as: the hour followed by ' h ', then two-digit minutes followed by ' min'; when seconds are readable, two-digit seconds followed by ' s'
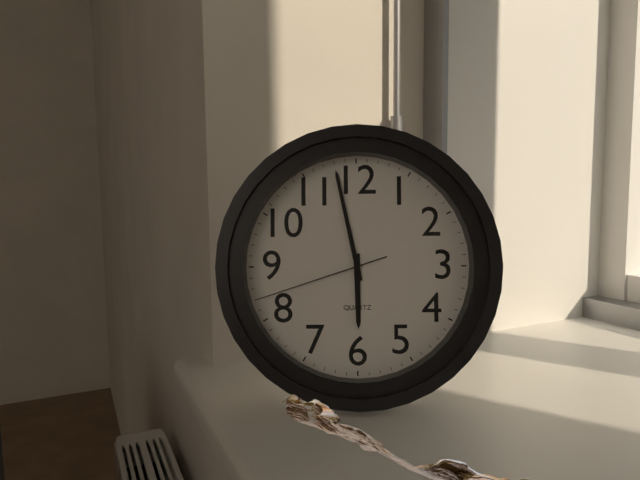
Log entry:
5 h 58 min 42 s
